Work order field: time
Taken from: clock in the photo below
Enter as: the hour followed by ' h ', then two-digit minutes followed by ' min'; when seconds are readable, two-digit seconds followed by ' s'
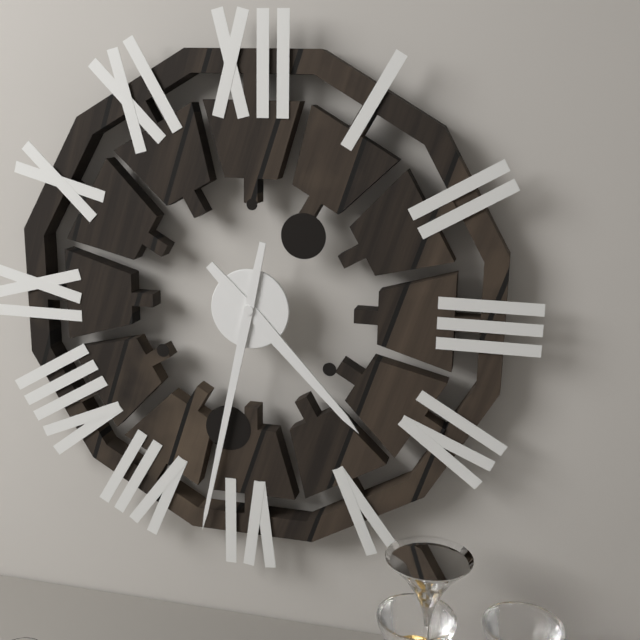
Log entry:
4 h 32 min
